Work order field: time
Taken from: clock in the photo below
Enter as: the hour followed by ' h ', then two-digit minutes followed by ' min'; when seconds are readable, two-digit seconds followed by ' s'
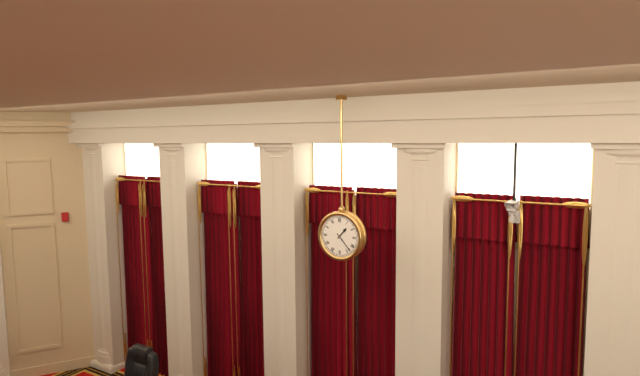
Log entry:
1 h 23 min
